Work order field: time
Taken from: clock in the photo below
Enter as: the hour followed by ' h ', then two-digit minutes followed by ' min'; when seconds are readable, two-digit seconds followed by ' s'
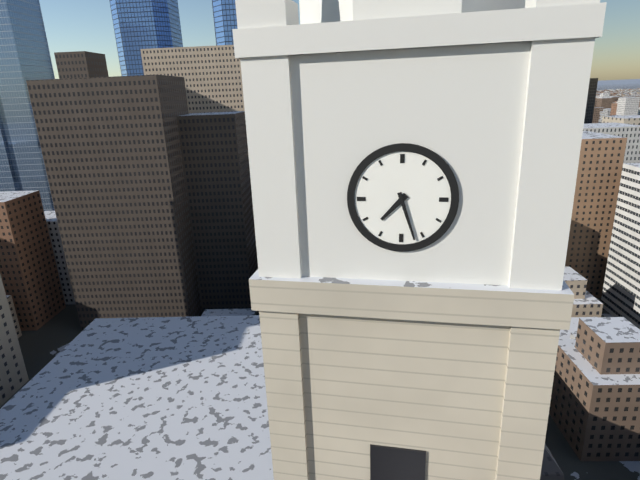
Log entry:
7 h 27 min
